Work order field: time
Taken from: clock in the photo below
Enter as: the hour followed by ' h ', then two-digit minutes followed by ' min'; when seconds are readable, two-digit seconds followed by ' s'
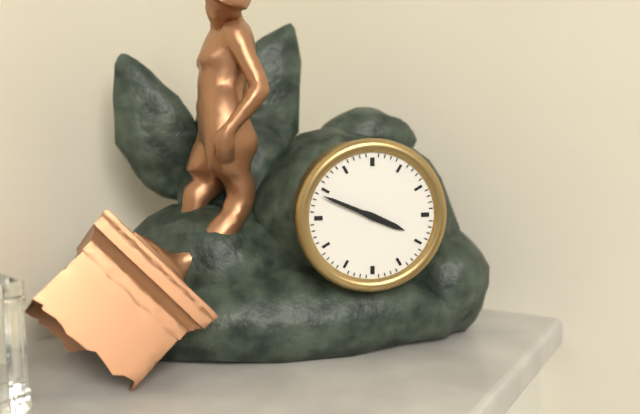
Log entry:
3 h 49 min
